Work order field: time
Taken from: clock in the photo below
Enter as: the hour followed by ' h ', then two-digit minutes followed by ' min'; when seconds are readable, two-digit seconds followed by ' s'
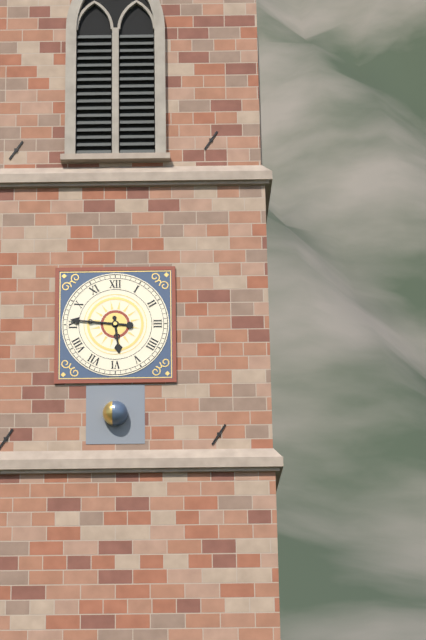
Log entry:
5 h 46 min
